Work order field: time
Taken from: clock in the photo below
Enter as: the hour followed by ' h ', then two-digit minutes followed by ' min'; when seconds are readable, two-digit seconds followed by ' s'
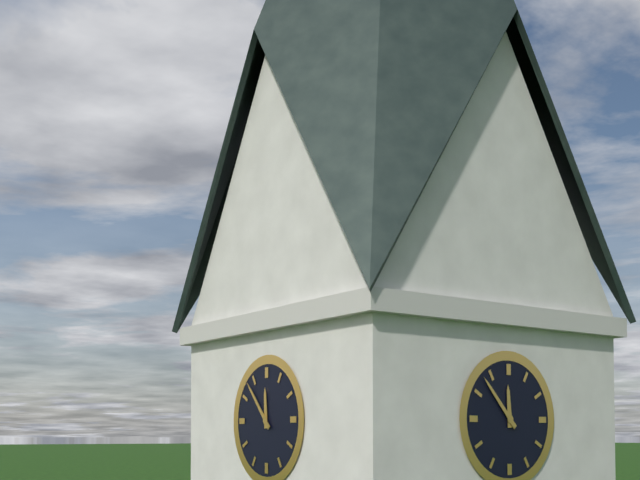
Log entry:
11 h 53 min
